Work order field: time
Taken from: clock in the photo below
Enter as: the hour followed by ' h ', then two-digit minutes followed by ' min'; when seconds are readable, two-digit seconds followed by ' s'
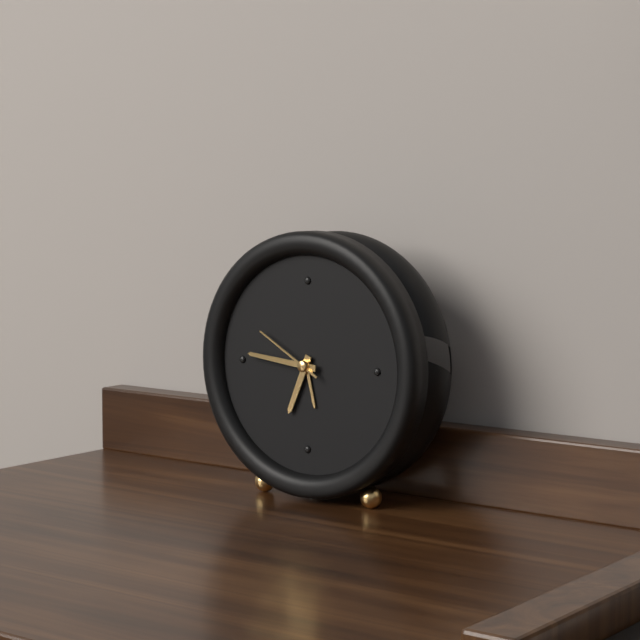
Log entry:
6 h 46 min 50 s
